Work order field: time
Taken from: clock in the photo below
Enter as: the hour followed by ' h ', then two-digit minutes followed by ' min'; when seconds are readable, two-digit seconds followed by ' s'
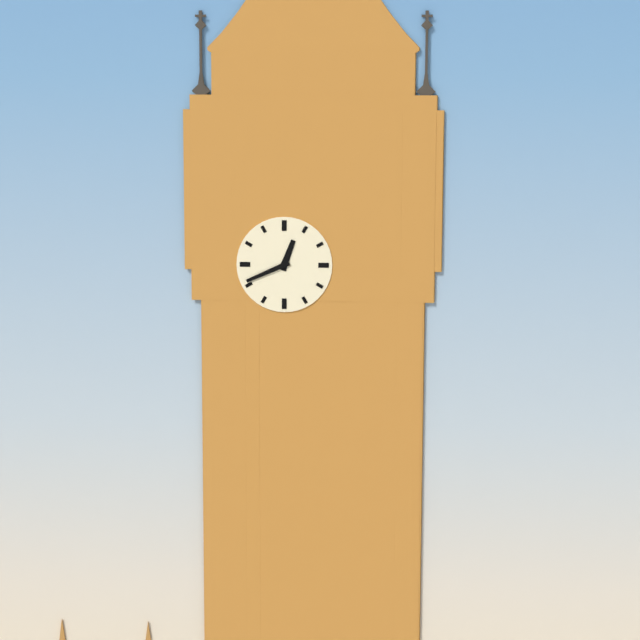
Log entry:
12 h 41 min
